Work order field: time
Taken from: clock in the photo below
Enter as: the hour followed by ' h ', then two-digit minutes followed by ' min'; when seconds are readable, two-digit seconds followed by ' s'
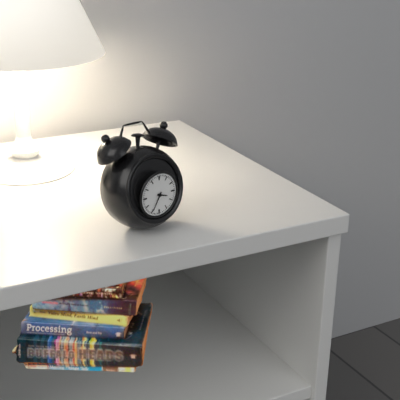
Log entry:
3 h 35 min
